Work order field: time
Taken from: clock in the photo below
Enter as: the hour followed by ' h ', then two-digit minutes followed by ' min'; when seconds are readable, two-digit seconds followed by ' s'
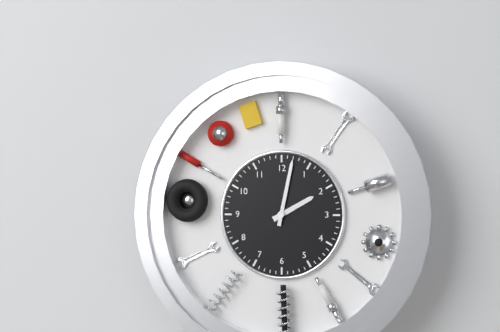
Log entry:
2 h 02 min
